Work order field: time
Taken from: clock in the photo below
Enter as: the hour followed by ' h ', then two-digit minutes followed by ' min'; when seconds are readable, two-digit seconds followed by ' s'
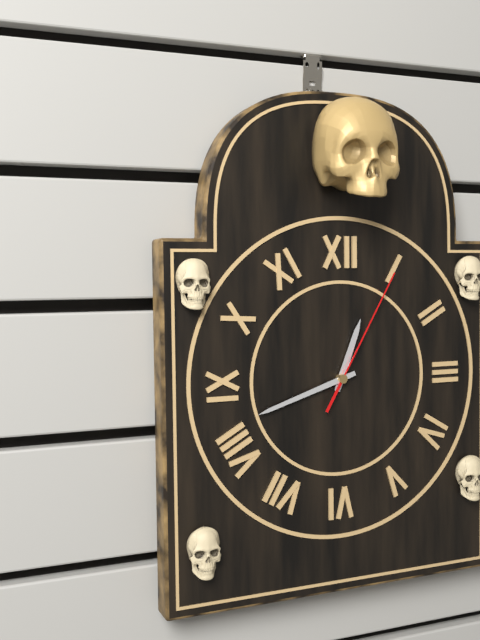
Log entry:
12 h 42 min 05 s
